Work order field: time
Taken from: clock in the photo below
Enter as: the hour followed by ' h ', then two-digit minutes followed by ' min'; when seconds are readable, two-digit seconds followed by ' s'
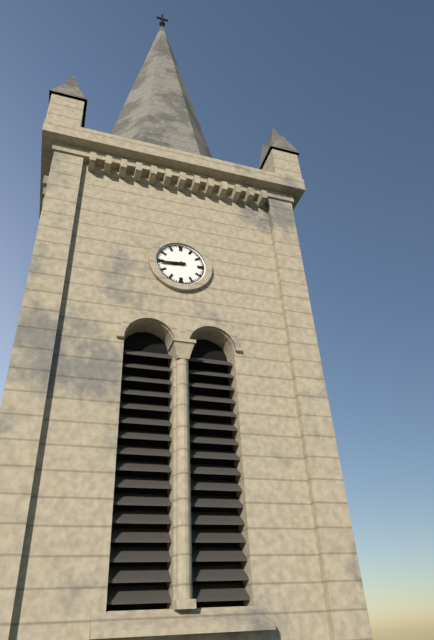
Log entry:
8 h 44 min
